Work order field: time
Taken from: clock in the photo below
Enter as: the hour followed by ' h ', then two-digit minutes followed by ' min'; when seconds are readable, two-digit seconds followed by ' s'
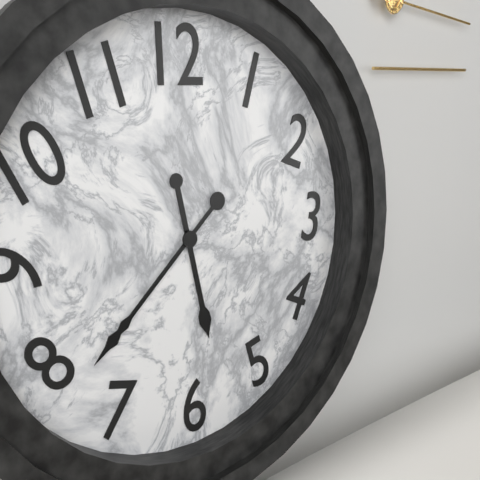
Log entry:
5 h 38 min
